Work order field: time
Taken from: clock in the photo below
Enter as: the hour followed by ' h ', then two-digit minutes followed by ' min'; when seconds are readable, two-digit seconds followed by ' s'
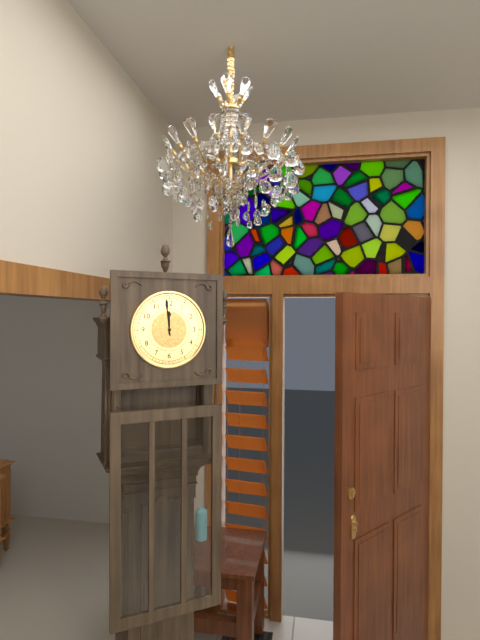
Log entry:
11 h 59 min
